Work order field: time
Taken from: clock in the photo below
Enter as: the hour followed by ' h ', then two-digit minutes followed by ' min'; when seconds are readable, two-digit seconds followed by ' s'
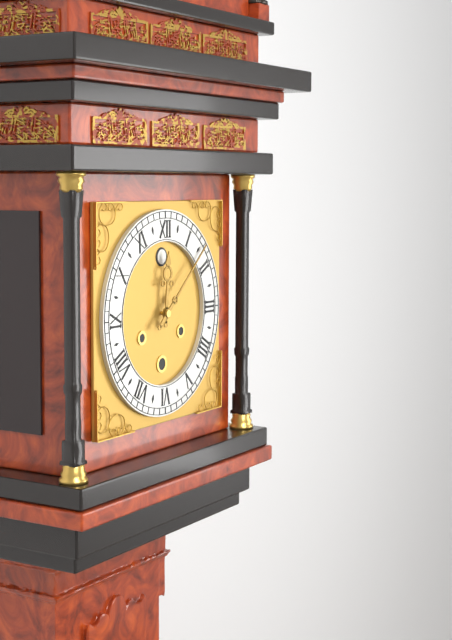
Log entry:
12 h 08 min
